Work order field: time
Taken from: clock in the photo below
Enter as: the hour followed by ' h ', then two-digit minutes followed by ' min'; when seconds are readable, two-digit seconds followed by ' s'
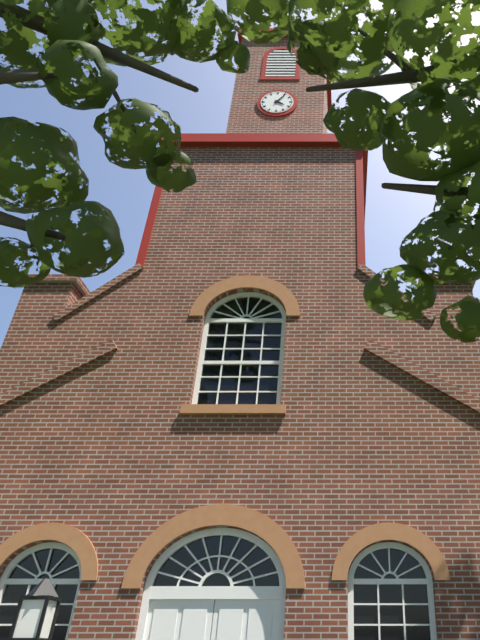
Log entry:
4 h 06 min
